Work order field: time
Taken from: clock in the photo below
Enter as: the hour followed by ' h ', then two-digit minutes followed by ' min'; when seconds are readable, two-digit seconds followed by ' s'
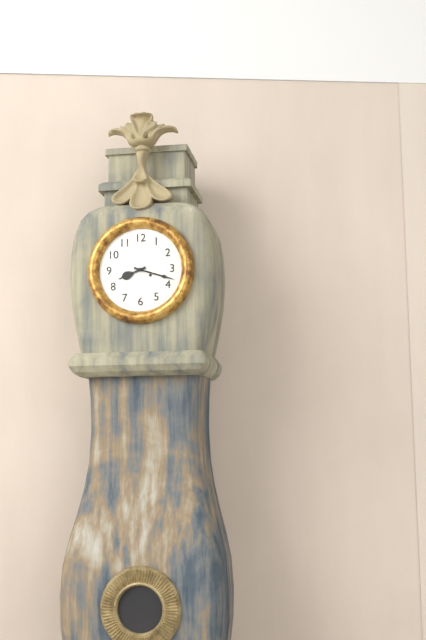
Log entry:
8 h 18 min
